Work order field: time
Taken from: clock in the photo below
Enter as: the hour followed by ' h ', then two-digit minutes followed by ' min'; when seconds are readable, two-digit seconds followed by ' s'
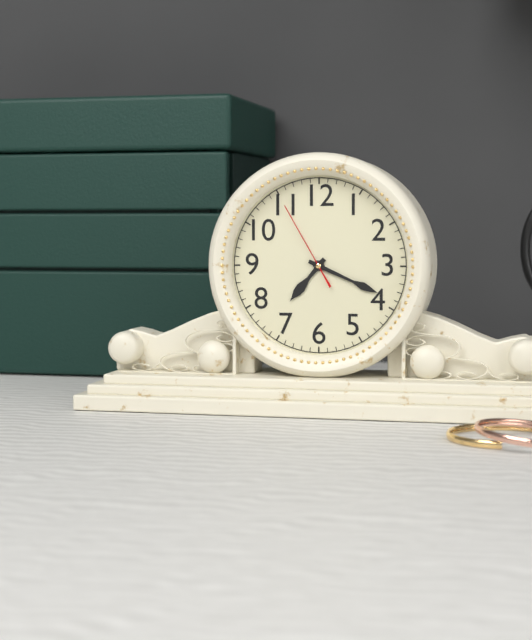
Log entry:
7 h 19 min 55 s
